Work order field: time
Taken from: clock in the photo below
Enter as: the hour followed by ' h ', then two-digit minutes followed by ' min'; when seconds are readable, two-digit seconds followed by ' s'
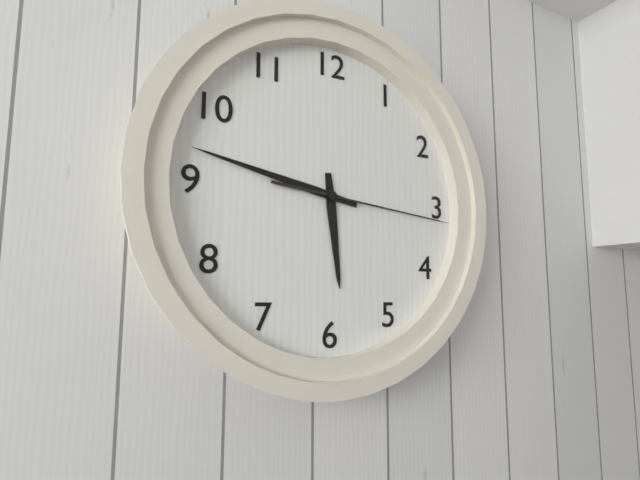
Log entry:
5 h 47 min 16 s
